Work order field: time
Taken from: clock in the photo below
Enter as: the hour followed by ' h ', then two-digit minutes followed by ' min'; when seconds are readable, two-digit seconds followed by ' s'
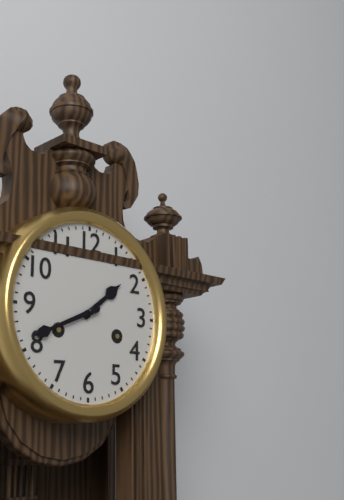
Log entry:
1 h 41 min
